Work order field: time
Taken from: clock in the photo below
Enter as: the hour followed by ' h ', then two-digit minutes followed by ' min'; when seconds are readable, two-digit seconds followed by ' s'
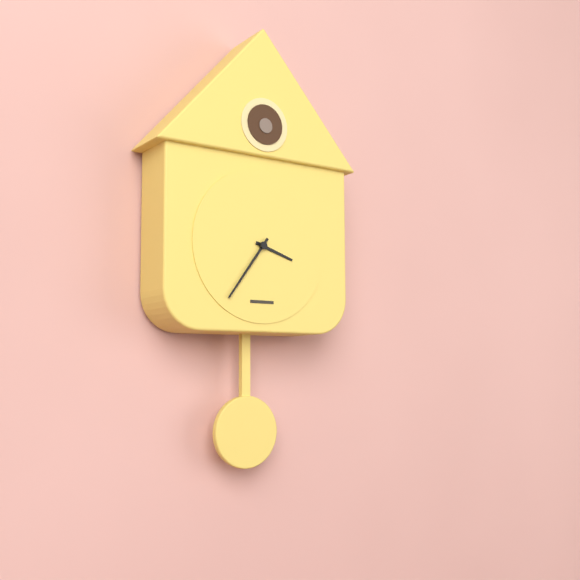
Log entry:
3 h 36 min
